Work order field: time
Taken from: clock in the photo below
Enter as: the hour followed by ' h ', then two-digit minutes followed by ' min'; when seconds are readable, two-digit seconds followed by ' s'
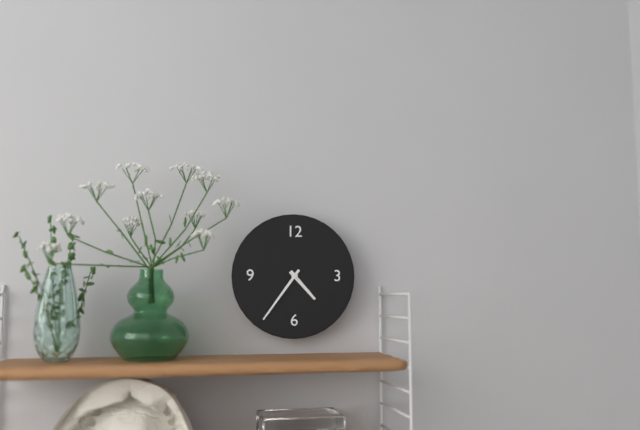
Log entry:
4 h 36 min
